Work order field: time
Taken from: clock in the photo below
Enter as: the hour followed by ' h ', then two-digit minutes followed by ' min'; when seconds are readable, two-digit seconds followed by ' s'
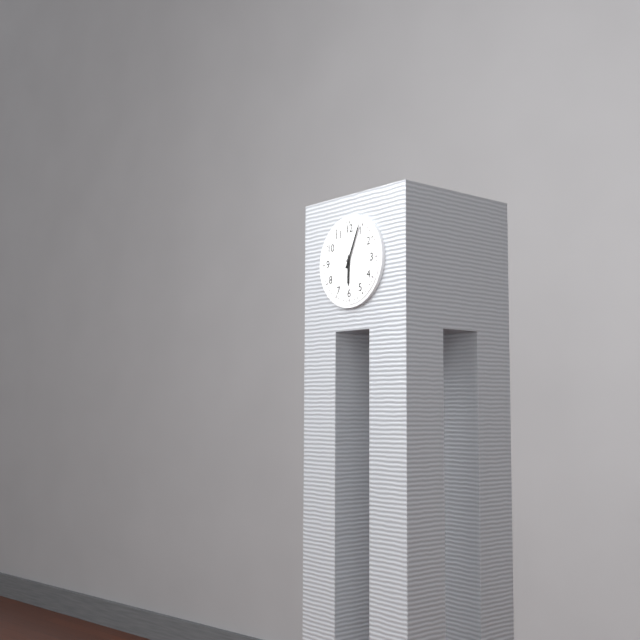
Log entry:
6 h 04 min
